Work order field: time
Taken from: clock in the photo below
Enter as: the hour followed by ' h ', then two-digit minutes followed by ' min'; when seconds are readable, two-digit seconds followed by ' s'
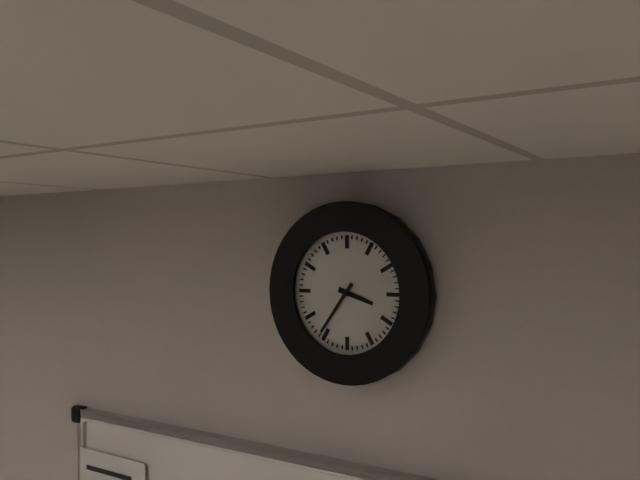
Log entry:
3 h 36 min
